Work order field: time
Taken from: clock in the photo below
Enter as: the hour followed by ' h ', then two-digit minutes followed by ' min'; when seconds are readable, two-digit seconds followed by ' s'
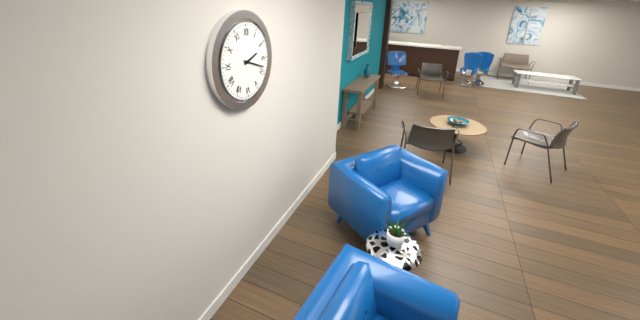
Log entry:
2 h 18 min
